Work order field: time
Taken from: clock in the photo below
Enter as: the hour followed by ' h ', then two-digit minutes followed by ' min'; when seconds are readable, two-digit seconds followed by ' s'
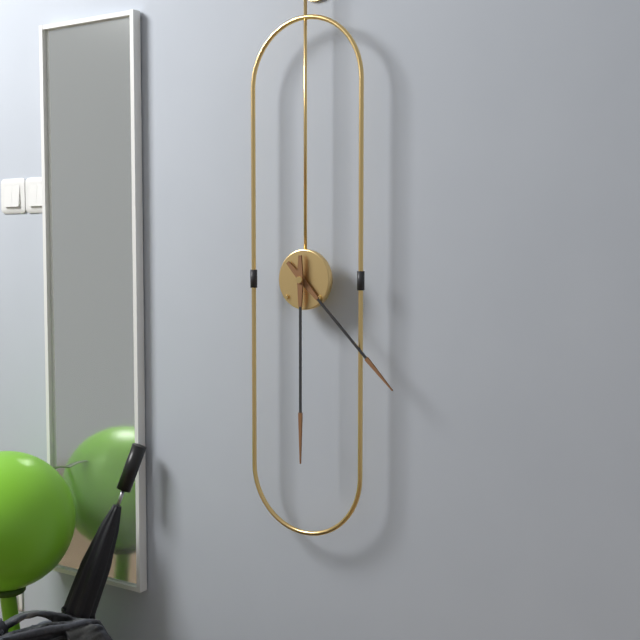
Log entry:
4 h 30 min
